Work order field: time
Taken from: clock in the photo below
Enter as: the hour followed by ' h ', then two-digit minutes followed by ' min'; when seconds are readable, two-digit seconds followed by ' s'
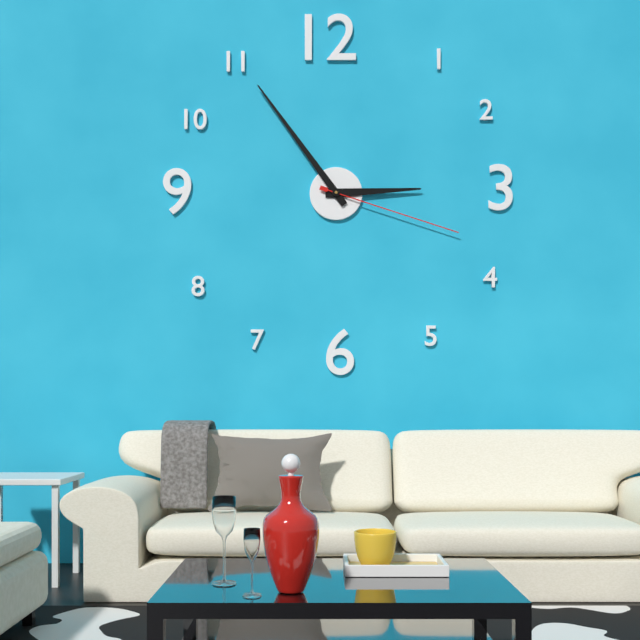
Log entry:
2 h 54 min 18 s
